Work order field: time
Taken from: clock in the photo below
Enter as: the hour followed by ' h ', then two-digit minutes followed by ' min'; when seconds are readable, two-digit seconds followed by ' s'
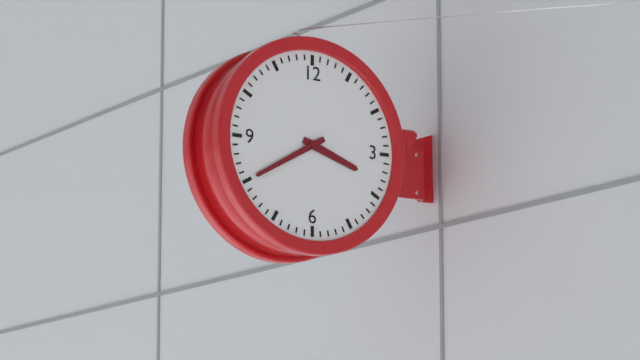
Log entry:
3 h 40 min
